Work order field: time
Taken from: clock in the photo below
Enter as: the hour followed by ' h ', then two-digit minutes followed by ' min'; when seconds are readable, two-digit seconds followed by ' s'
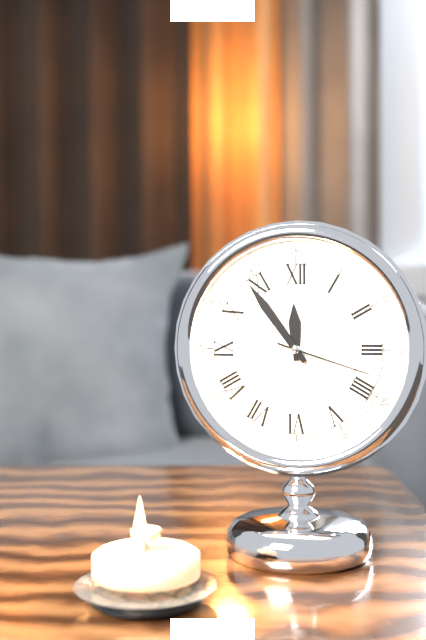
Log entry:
11 h 54 min 18 s
